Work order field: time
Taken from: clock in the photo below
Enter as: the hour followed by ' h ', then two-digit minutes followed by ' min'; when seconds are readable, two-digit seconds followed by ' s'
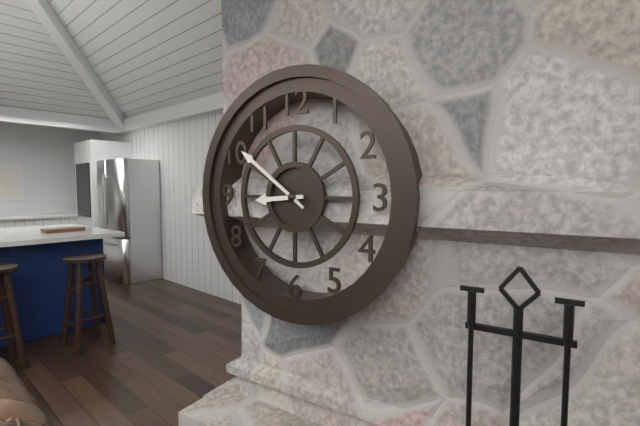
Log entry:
8 h 51 min
